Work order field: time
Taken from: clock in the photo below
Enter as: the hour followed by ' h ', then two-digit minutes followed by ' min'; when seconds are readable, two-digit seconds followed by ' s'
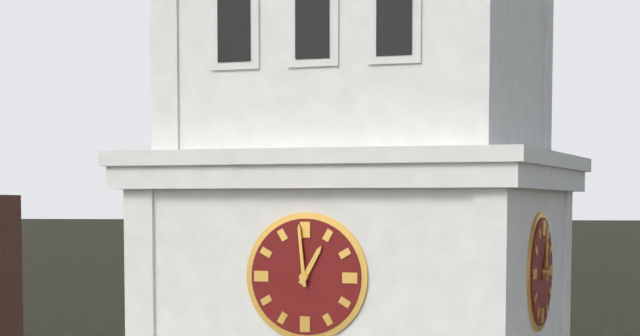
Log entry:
12 h 59 min
